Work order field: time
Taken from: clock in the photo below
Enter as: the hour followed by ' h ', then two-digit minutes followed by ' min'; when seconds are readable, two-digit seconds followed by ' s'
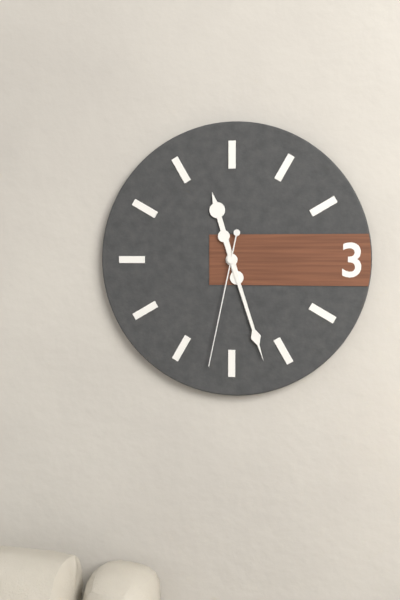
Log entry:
11 h 27 min 32 s
